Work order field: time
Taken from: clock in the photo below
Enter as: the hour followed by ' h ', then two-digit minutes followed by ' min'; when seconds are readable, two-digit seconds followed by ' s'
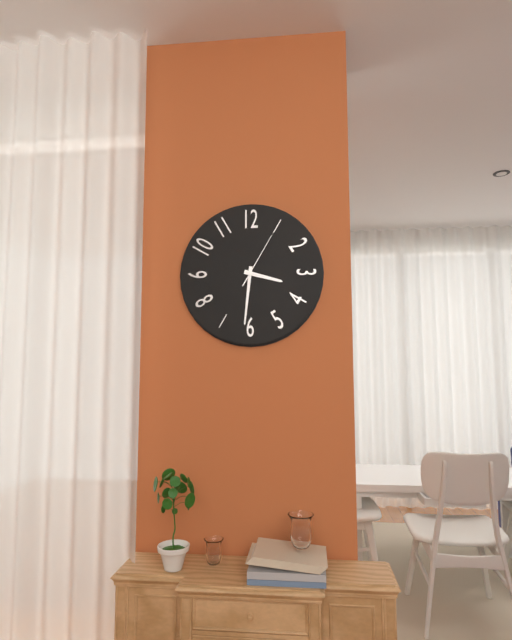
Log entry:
3 h 31 min 05 s
